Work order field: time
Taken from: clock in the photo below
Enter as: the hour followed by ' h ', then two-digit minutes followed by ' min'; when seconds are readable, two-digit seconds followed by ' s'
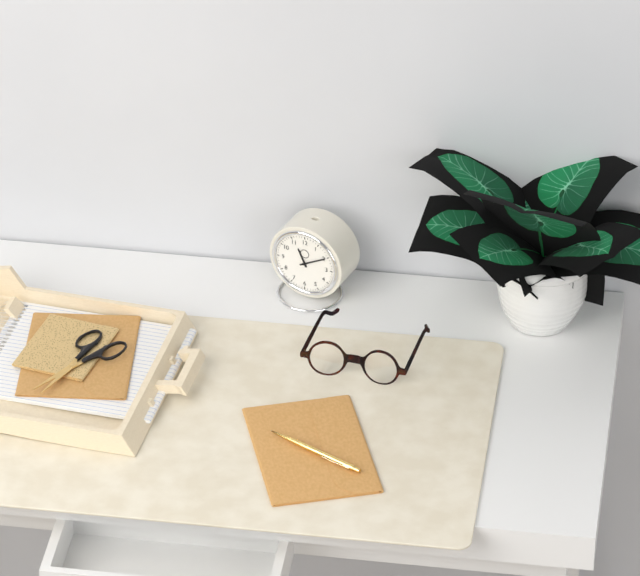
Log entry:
11 h 10 min
